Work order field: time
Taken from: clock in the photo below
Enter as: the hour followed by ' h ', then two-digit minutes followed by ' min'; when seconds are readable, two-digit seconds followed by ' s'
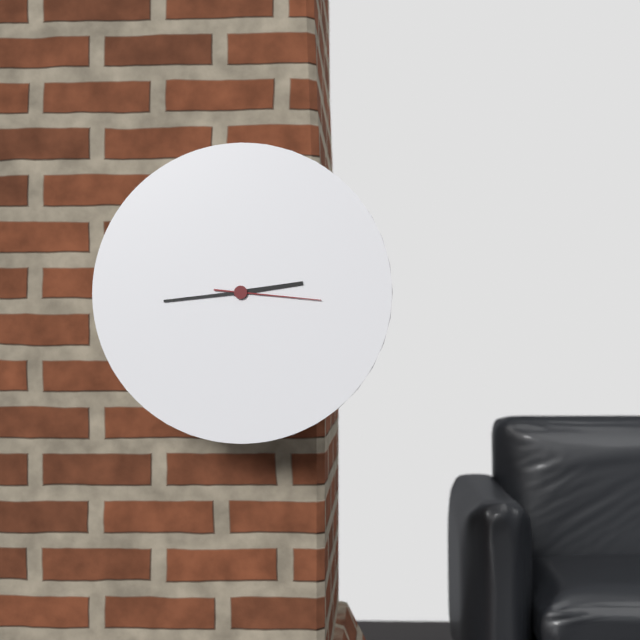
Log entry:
2 h 44 min 16 s
